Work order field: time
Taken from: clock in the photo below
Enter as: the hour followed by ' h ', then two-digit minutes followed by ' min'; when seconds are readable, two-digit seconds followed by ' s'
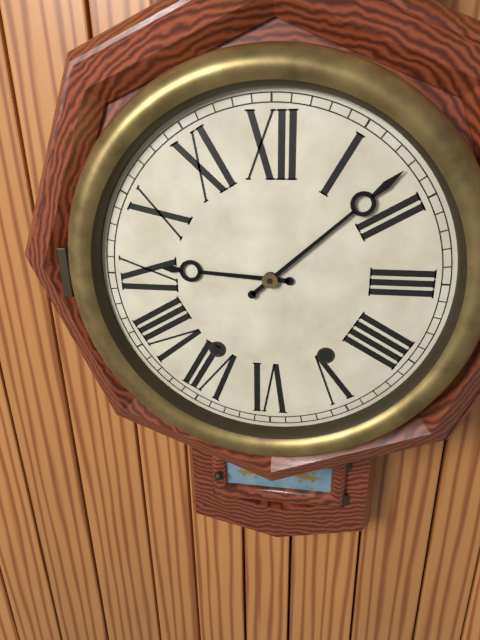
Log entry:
9 h 08 min
